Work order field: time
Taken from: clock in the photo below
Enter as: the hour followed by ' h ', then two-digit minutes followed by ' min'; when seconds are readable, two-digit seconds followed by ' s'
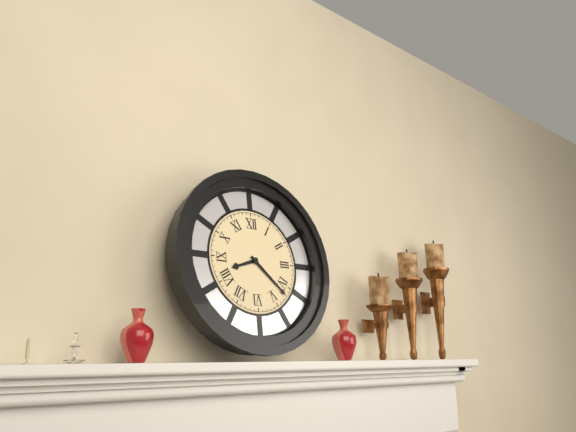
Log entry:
8 h 22 min
